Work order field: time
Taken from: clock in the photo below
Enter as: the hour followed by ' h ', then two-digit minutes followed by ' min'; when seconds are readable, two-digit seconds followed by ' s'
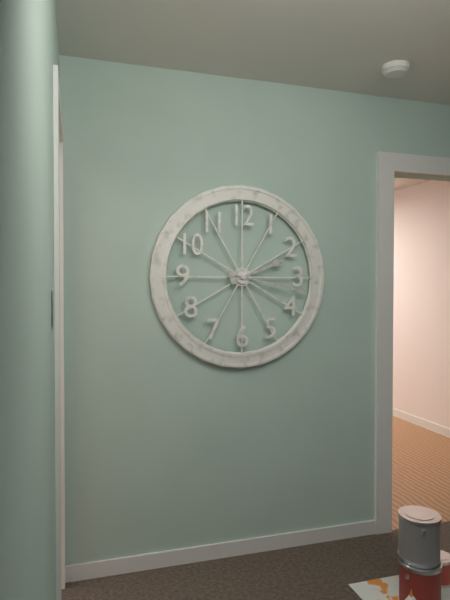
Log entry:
2 h 17 min
